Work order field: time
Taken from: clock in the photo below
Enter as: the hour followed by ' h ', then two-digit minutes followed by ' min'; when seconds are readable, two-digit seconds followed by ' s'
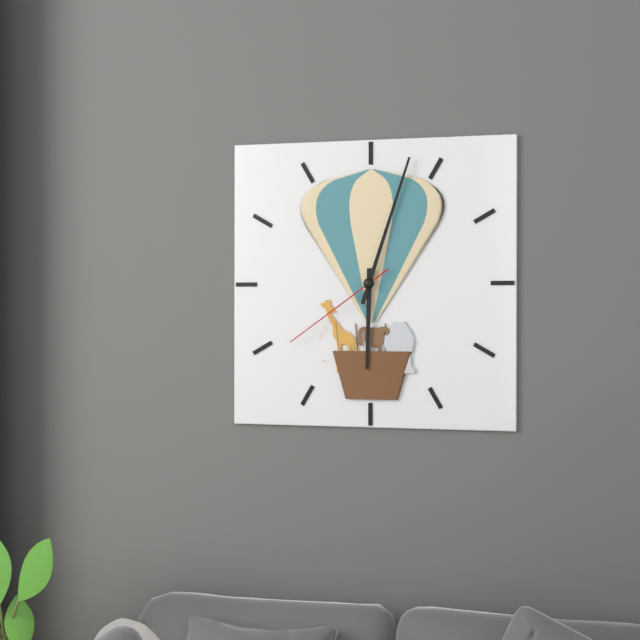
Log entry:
6 h 03 min 39 s
